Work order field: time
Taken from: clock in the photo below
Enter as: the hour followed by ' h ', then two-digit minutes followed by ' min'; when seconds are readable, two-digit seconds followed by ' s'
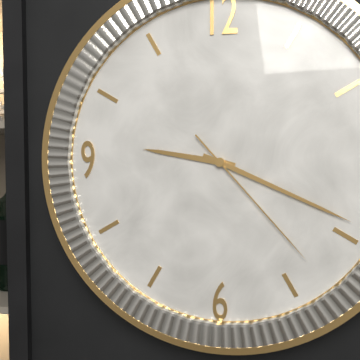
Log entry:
9 h 19 min 23 s
